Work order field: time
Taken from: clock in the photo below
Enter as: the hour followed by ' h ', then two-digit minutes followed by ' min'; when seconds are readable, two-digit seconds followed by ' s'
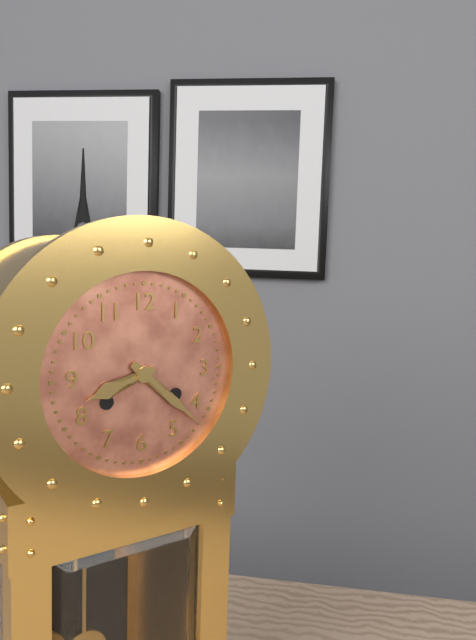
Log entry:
8 h 22 min
